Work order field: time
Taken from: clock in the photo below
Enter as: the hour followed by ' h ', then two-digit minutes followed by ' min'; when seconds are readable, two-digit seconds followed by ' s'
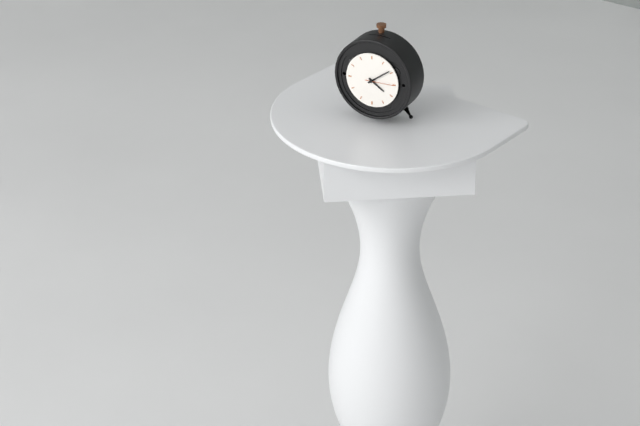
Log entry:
4 h 09 min
